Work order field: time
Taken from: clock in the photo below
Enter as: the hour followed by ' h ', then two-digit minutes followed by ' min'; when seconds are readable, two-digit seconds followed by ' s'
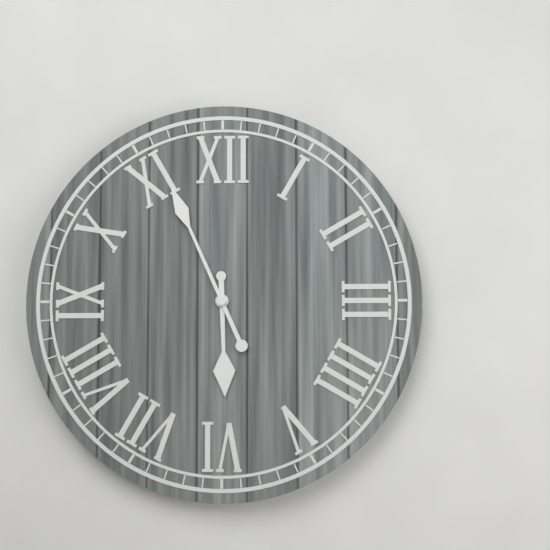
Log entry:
5 h 56 min
